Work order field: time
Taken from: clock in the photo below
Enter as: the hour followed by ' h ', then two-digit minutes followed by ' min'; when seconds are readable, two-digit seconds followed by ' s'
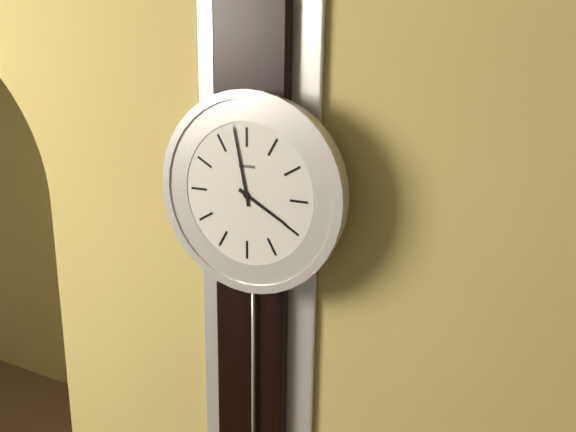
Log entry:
3 h 58 min
